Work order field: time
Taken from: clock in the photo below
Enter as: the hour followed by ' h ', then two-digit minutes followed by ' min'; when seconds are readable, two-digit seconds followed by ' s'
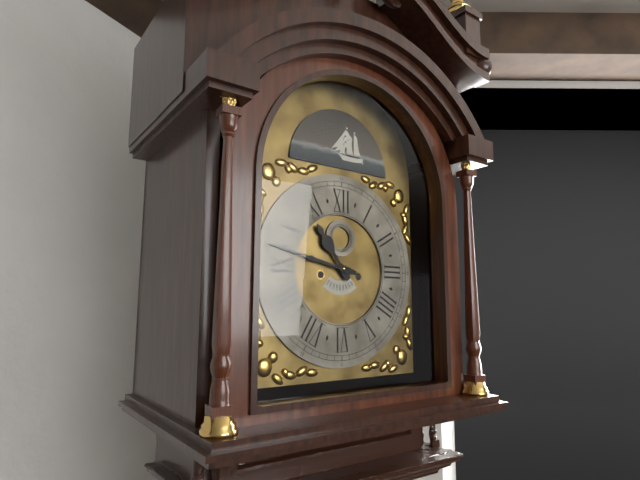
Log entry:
10 h 47 min
